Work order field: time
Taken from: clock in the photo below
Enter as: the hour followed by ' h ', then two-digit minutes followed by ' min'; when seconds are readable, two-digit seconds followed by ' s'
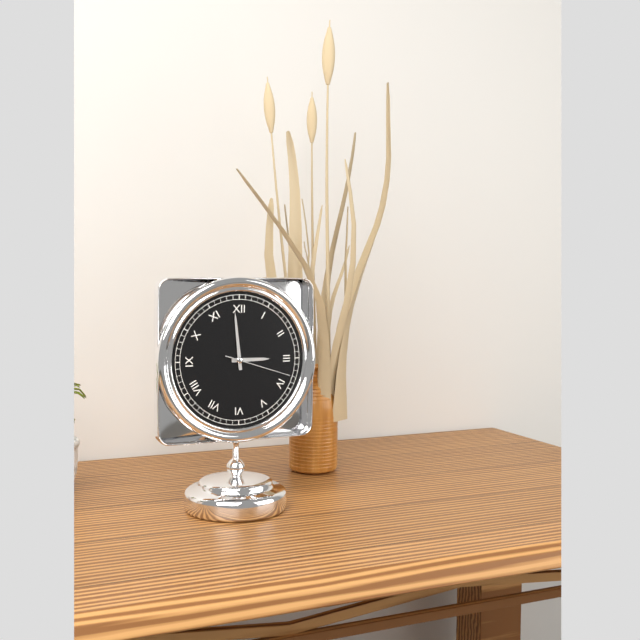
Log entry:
2 h 59 min 18 s
